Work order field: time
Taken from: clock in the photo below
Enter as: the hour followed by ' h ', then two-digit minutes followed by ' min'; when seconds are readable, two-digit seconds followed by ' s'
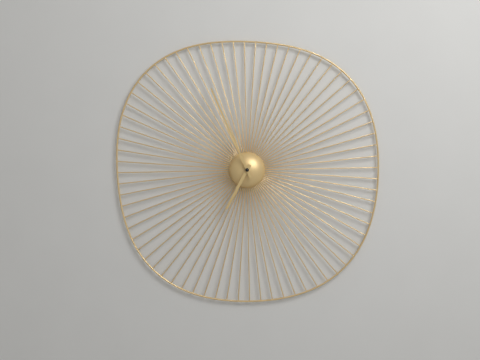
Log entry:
6 h 56 min
